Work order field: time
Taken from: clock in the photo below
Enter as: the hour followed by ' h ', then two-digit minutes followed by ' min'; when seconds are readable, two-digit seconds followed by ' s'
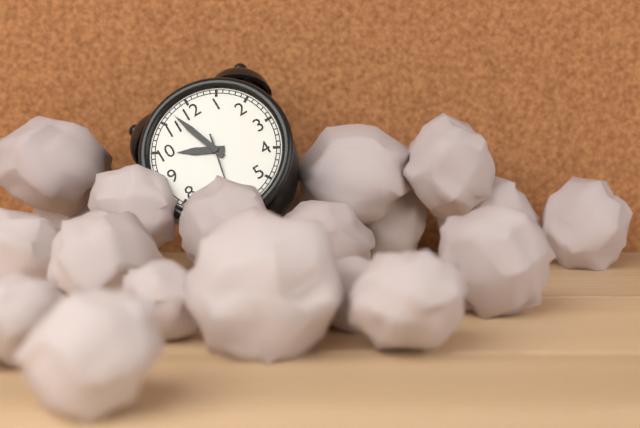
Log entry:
9 h 57 min
